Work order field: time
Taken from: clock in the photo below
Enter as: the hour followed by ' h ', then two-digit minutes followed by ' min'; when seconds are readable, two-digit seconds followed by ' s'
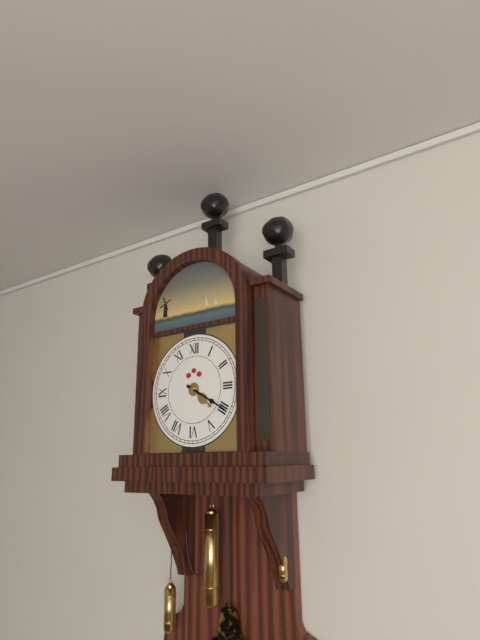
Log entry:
4 h 20 min
